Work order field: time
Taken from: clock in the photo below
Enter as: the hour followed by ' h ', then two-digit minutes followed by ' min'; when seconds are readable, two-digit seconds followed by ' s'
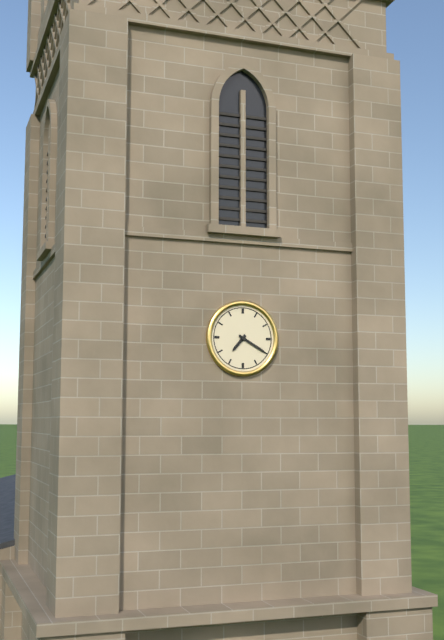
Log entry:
7 h 20 min
